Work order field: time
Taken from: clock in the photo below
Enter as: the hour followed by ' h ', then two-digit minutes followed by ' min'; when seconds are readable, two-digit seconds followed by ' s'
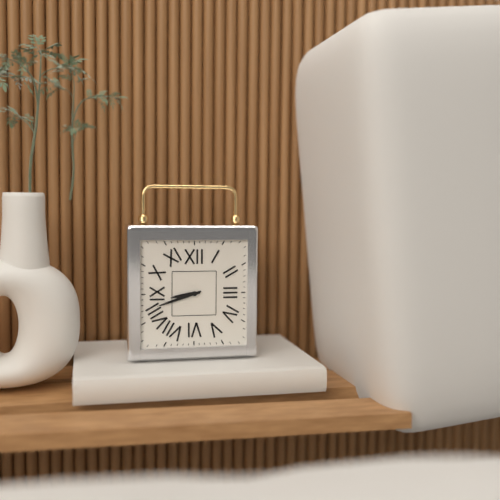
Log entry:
8 h 42 min
